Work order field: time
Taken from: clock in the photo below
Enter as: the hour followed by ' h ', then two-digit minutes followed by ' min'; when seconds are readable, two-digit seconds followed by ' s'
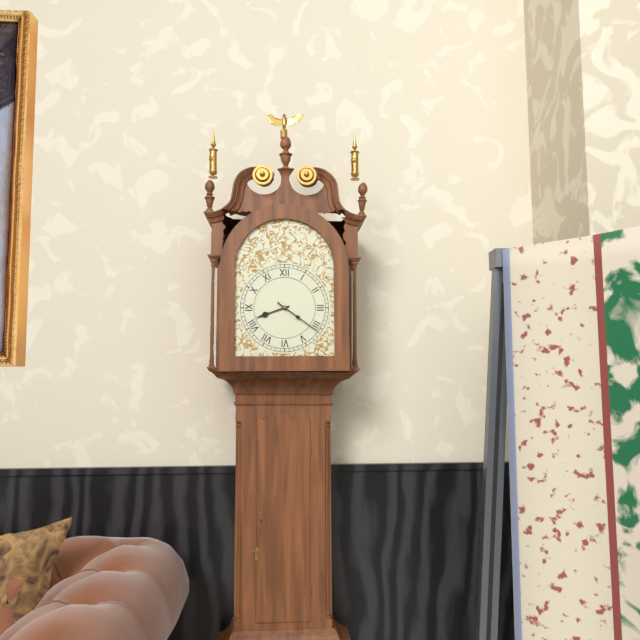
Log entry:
8 h 21 min
